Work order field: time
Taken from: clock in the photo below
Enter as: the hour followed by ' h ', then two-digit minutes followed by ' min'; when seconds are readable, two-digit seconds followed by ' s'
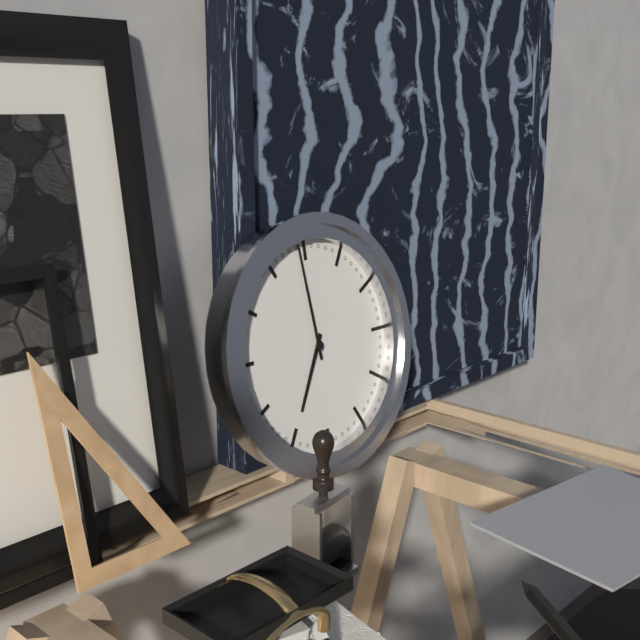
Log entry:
6 h 59 min
